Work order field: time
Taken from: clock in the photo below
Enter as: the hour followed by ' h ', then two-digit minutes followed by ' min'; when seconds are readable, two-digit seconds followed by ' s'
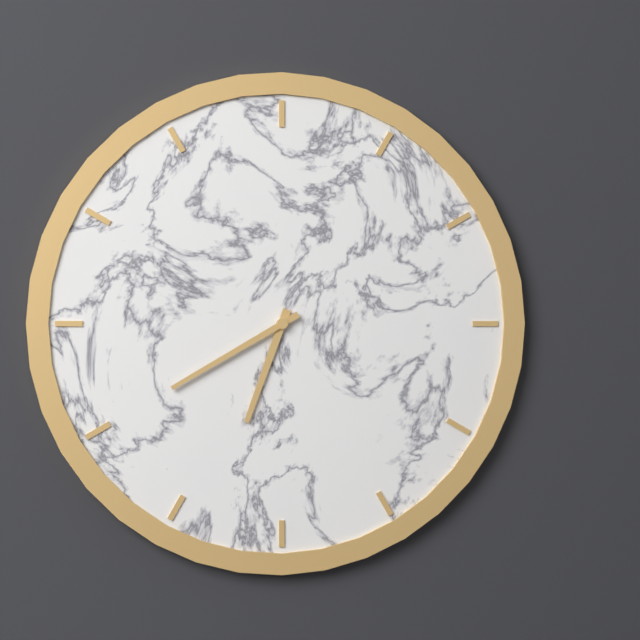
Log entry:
6 h 40 min
